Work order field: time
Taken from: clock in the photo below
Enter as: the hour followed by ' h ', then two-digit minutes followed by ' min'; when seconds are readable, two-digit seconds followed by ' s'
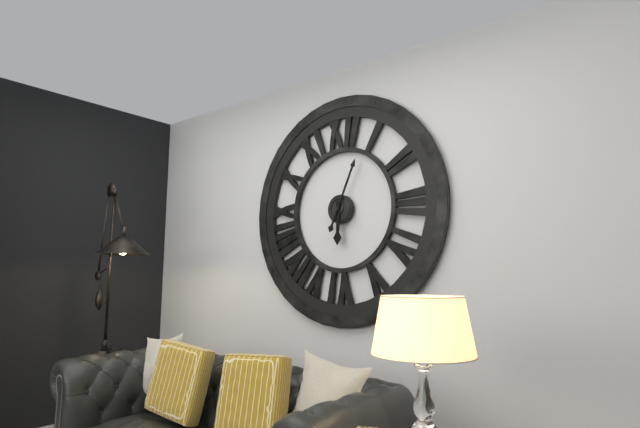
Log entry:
6 h 04 min
